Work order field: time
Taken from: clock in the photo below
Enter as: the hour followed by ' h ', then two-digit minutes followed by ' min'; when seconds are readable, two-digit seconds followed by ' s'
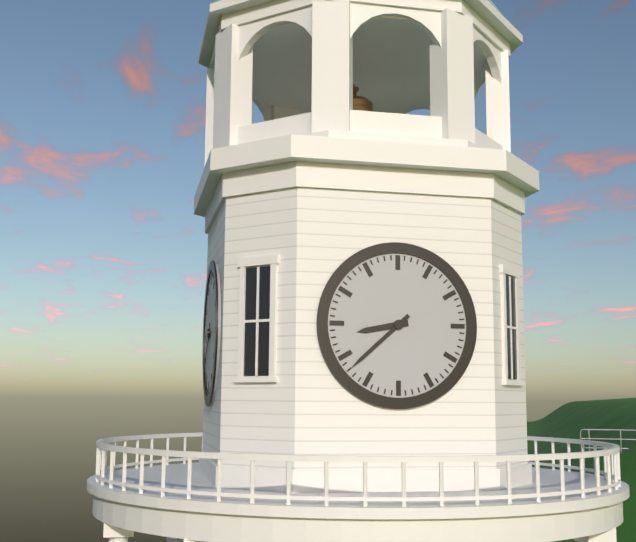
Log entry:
8 h 38 min
